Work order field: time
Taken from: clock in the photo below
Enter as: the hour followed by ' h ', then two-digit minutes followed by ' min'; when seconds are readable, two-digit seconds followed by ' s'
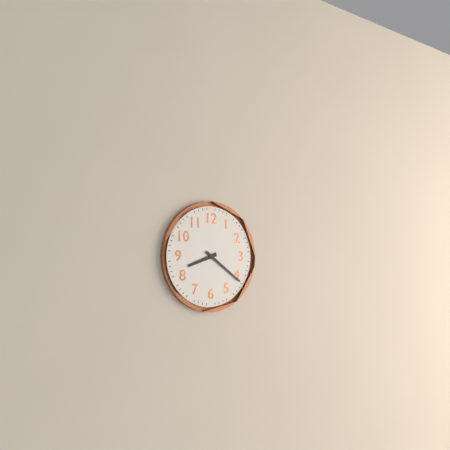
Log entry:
8 h 21 min
